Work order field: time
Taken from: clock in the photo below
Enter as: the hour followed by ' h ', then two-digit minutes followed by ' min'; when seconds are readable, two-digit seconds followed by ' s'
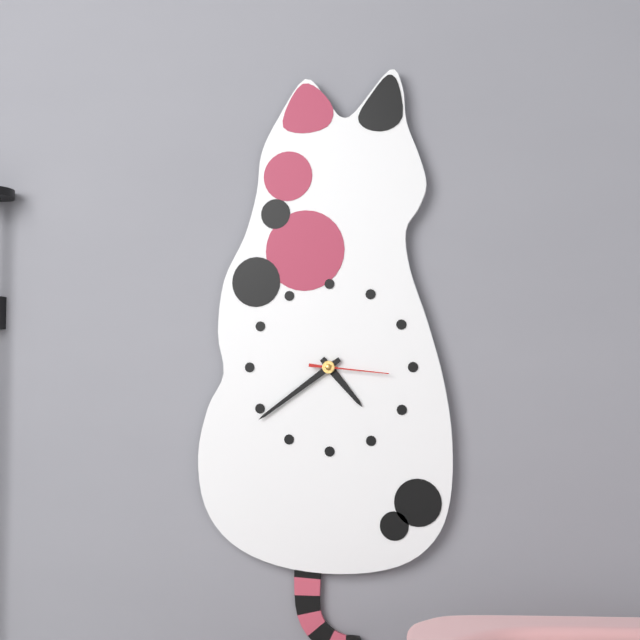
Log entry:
4 h 39 min 16 s
